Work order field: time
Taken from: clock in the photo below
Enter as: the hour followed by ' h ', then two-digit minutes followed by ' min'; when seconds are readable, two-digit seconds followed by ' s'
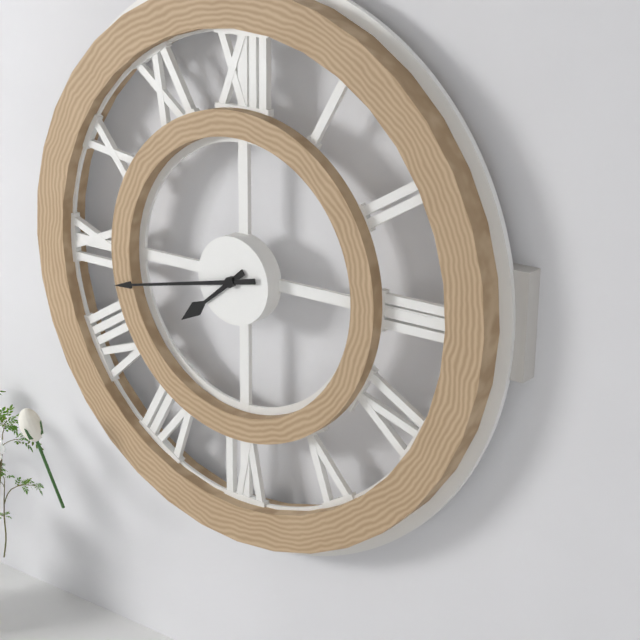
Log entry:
7 h 43 min
